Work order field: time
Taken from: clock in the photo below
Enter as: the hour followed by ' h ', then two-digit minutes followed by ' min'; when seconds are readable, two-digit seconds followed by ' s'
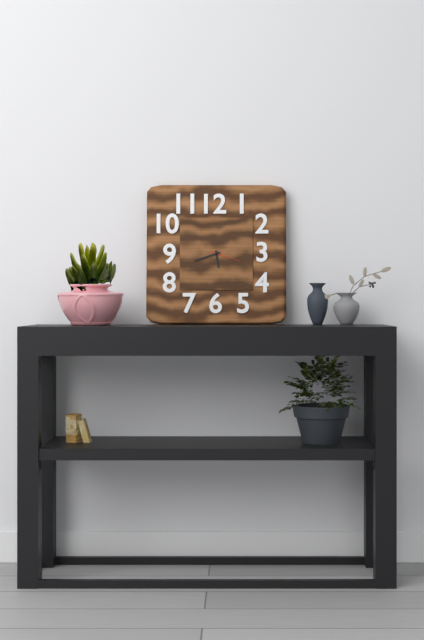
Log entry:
5 h 42 min
